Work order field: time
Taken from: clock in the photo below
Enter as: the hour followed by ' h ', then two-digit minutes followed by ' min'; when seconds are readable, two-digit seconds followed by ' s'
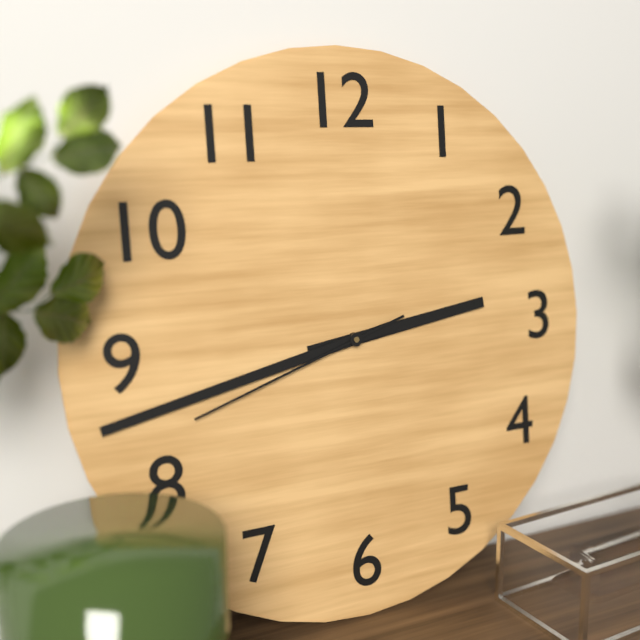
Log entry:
2 h 43 min 42 s
